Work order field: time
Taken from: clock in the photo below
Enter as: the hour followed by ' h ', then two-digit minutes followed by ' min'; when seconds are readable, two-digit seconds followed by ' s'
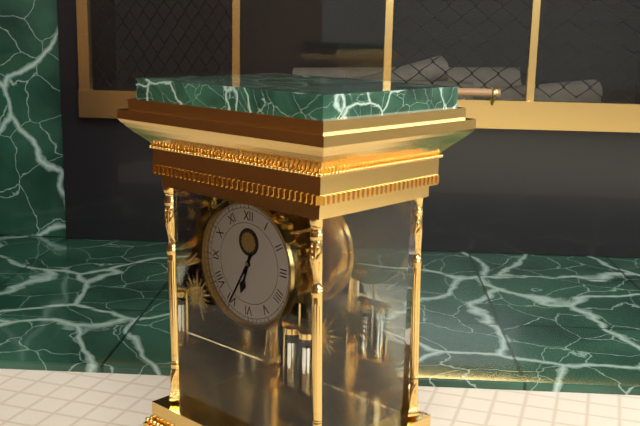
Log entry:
6 h 35 min
